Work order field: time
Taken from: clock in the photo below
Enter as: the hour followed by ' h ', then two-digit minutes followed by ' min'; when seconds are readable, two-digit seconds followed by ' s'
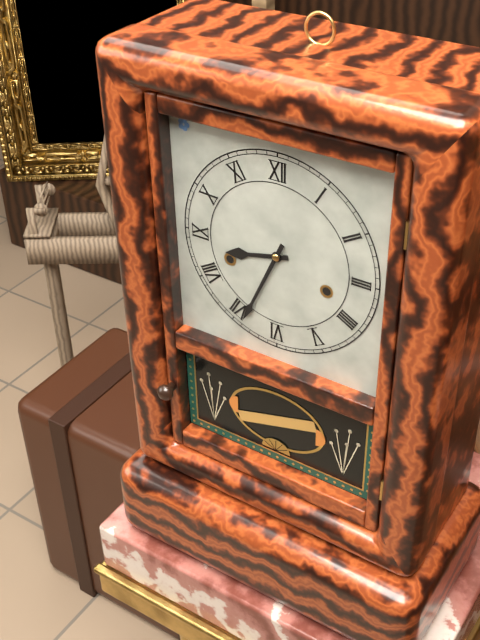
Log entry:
8 h 34 min
